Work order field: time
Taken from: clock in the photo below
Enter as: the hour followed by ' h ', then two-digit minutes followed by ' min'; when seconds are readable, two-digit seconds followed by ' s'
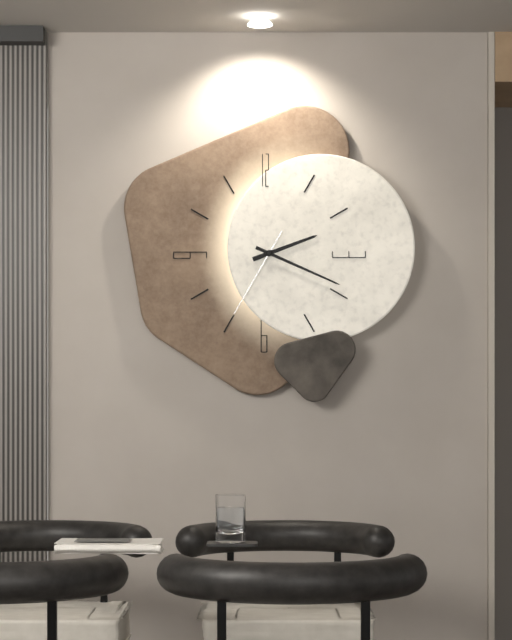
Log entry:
2 h 19 min 35 s
